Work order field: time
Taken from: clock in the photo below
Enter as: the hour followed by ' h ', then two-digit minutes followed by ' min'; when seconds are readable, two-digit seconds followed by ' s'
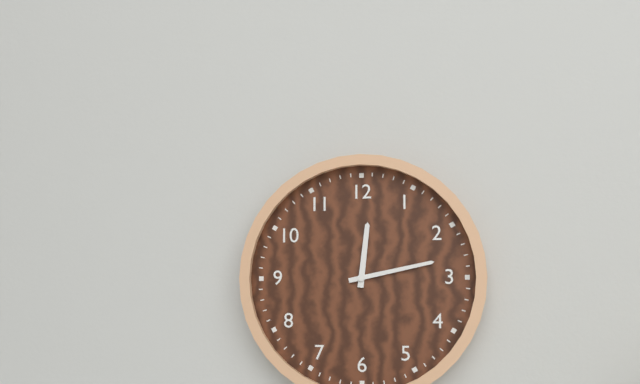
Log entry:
12 h 13 min
